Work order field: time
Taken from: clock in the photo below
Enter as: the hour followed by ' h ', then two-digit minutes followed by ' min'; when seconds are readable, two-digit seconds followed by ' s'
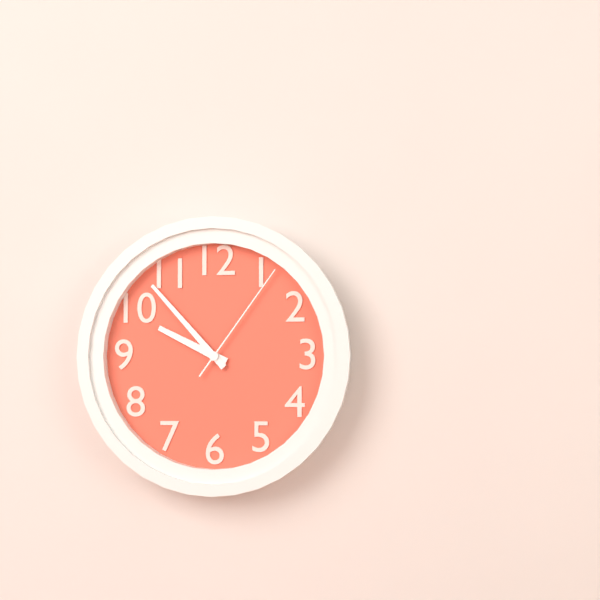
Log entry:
9 h 53 min 06 s
